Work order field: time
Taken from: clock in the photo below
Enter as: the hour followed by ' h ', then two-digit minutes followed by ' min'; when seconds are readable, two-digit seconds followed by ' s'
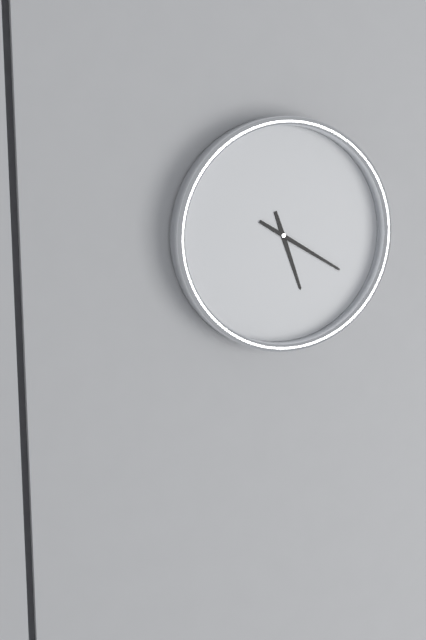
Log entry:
5 h 20 min
